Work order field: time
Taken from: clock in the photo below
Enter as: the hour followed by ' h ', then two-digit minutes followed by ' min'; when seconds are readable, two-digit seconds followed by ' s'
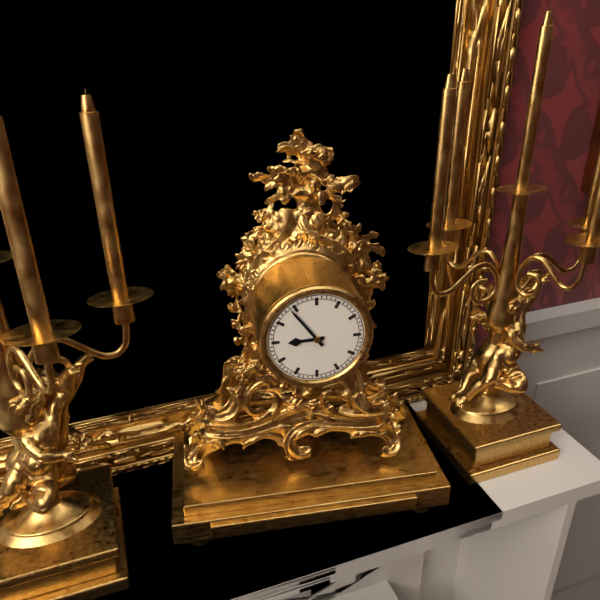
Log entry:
8 h 54 min
